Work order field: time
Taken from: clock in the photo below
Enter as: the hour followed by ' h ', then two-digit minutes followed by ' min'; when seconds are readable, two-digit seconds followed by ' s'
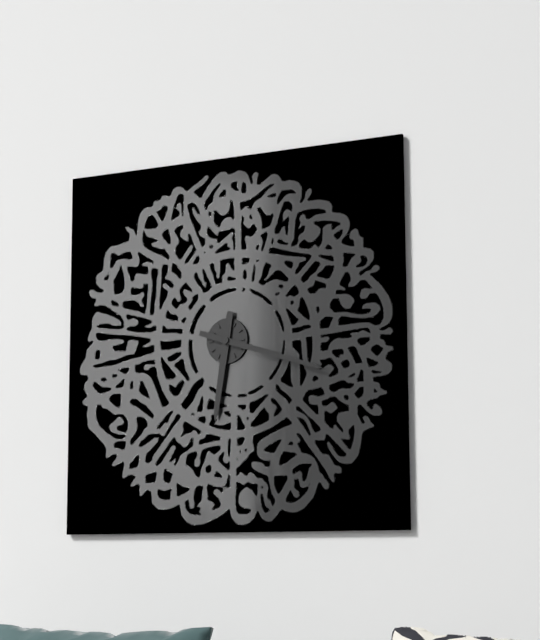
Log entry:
6 h 18 min
